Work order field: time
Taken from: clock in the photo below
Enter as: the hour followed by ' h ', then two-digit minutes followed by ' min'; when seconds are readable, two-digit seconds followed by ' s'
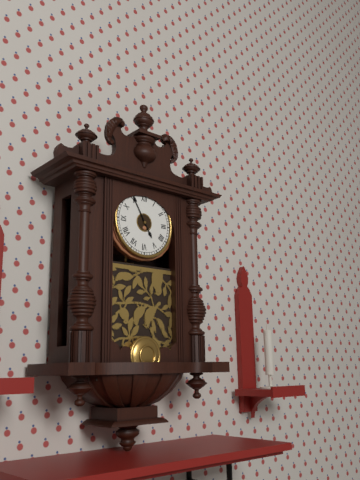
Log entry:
4 h 55 min
